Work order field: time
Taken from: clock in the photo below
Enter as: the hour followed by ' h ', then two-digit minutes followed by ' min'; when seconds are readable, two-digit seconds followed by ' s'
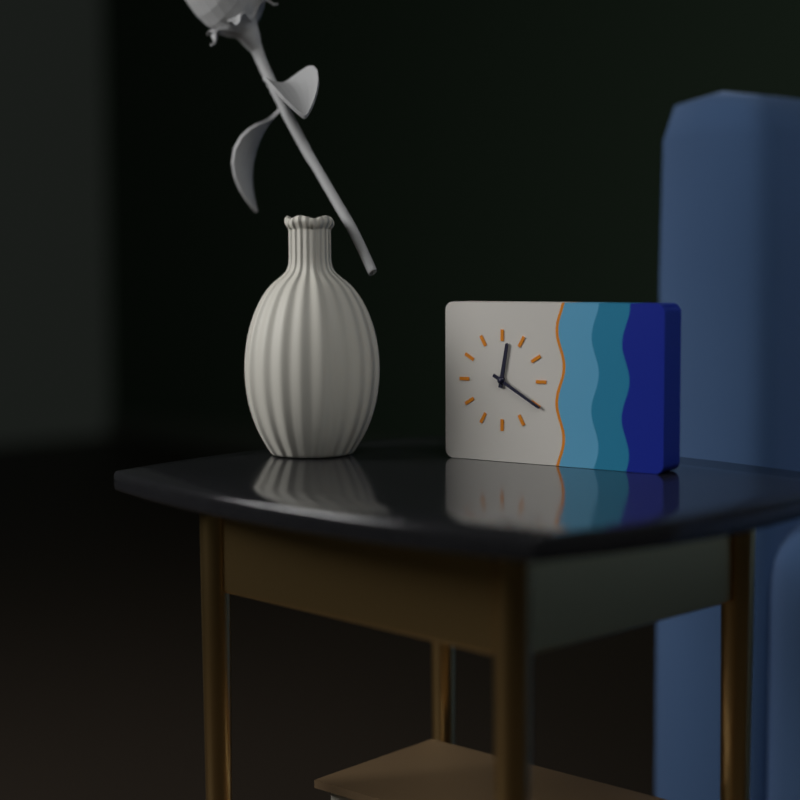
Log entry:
12 h 20 min
